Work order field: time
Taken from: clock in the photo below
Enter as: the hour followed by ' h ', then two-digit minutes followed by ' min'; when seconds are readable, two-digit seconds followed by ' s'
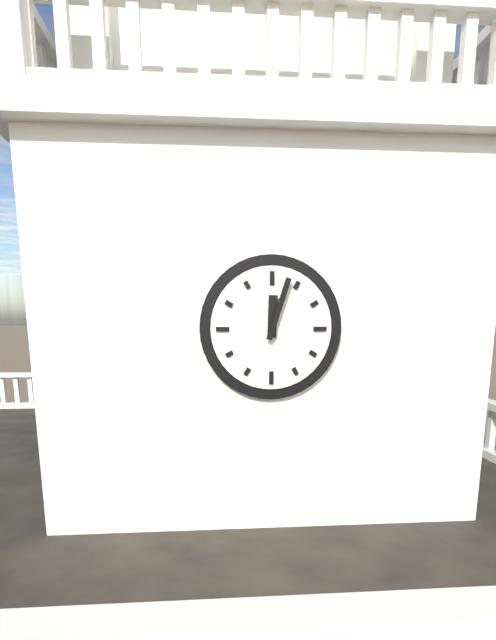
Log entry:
12 h 03 min
